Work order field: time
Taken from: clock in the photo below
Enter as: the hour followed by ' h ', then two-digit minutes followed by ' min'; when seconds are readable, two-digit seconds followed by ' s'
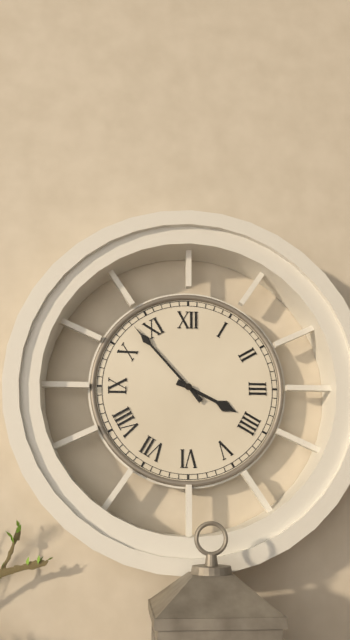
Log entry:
3 h 53 min
